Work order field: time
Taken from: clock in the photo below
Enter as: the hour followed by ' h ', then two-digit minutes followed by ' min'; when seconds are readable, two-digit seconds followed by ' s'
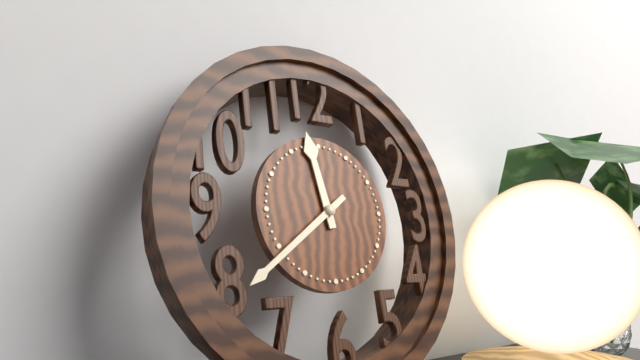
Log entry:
11 h 39 min
